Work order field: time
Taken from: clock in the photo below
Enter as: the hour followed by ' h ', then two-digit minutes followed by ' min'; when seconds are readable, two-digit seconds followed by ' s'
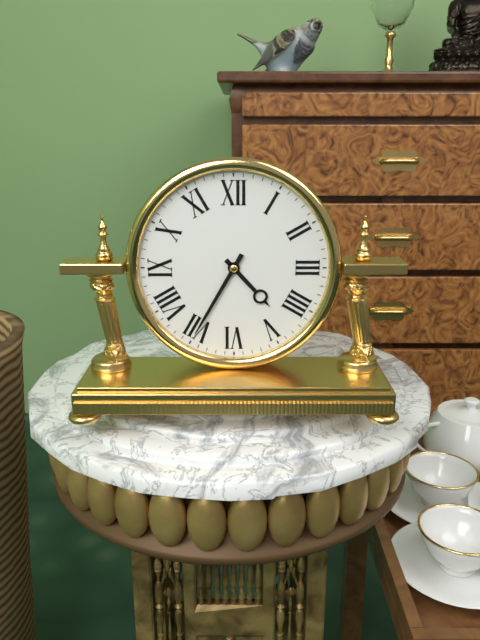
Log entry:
4 h 35 min
